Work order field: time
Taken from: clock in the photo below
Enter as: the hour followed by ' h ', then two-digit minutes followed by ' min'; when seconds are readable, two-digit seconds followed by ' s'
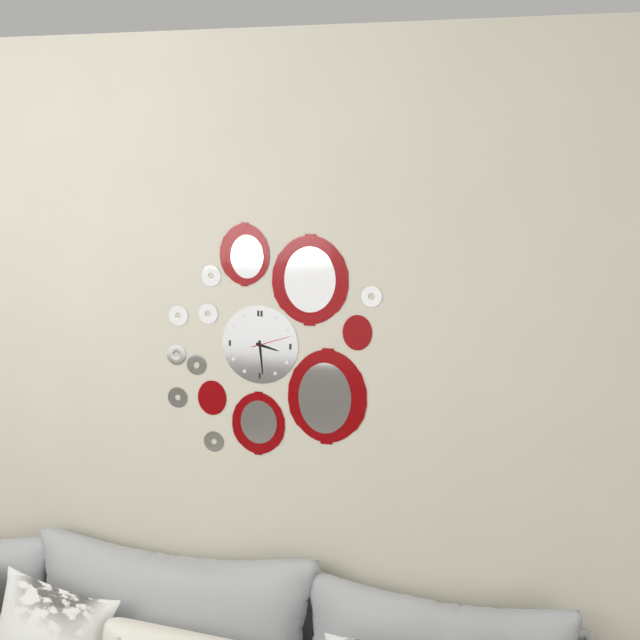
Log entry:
3 h 29 min
